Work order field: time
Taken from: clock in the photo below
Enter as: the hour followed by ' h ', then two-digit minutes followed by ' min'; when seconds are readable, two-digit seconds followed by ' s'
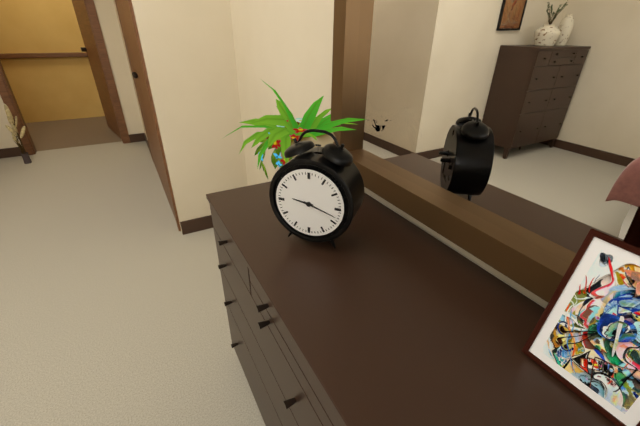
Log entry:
9 h 18 min
